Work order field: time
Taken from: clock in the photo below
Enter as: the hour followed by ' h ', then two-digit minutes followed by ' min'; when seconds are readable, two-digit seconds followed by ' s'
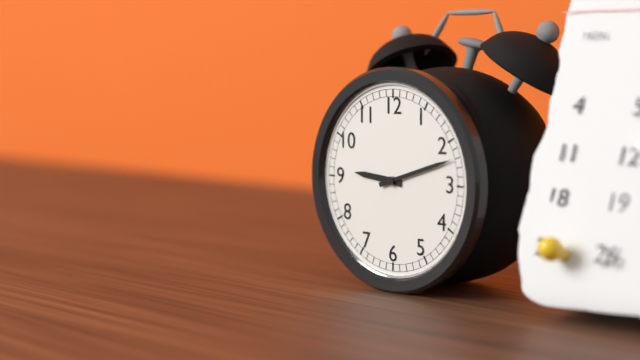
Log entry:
9 h 12 min
